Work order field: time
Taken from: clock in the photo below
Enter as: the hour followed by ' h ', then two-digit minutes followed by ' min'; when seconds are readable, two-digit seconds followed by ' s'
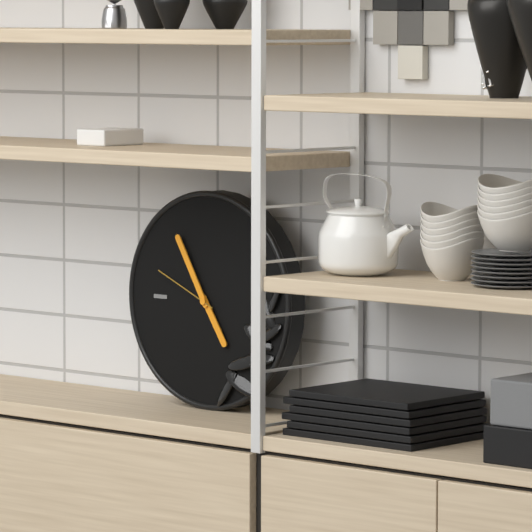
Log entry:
4 h 55 min 49 s
